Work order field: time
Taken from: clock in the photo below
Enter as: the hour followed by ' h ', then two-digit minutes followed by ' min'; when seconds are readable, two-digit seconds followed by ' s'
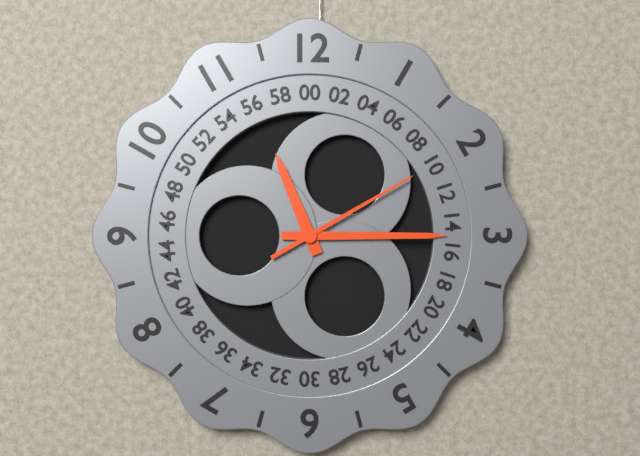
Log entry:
11 h 15 min 10 s
